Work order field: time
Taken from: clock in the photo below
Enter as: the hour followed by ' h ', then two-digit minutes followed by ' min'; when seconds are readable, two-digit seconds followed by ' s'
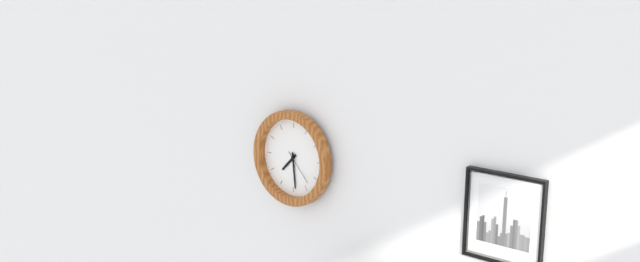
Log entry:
7 h 29 min
